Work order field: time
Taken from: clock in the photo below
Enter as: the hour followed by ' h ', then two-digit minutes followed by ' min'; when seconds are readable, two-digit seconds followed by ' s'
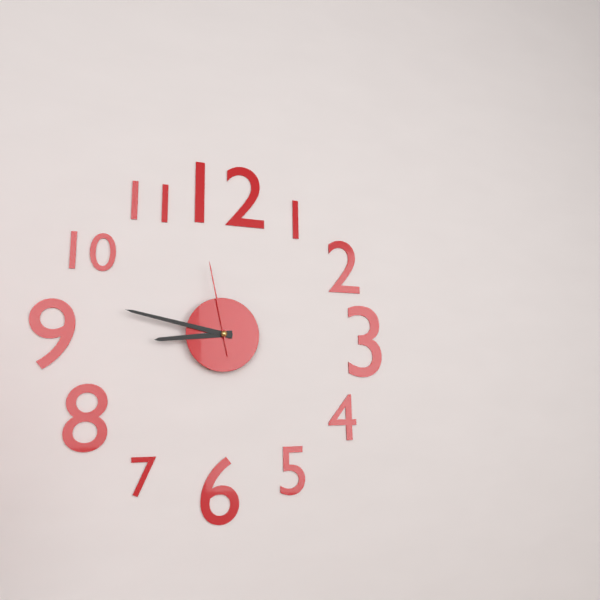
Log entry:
8 h 47 min 58 s
